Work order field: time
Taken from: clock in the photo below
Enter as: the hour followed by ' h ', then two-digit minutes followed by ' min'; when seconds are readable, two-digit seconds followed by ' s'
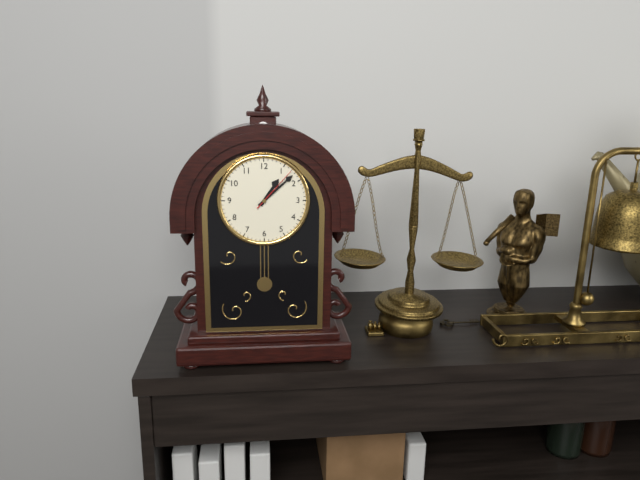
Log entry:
1 h 08 min 07 s
